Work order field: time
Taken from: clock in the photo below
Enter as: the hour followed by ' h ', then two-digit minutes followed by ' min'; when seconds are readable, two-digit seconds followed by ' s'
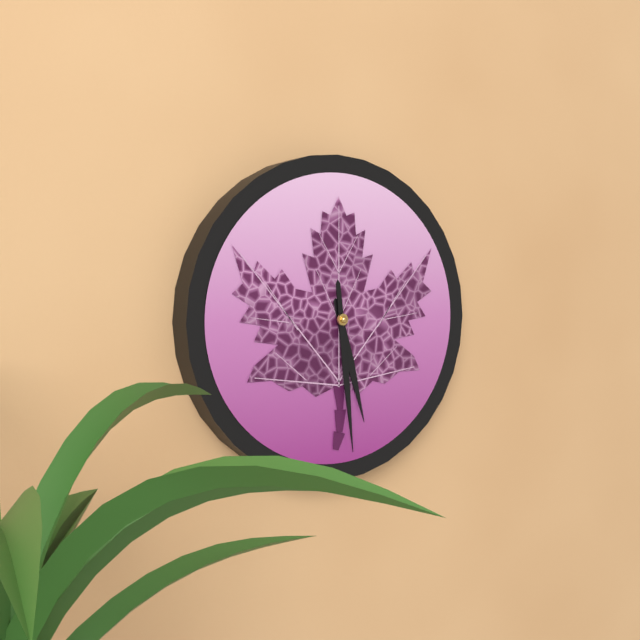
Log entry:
5 h 29 min
